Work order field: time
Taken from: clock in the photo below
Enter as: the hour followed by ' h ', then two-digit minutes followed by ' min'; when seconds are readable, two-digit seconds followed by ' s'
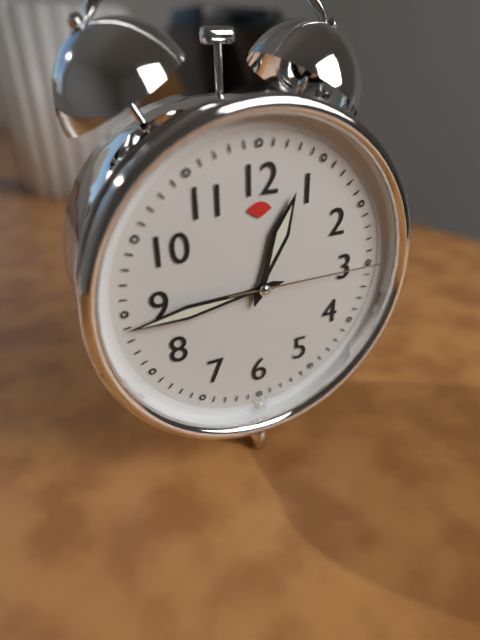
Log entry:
12 h 44 min 15 s
